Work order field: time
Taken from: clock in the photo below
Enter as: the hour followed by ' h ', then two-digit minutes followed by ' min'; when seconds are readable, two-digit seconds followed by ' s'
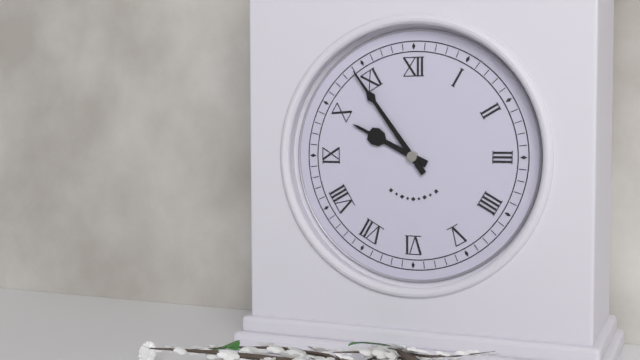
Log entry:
9 h 54 min
